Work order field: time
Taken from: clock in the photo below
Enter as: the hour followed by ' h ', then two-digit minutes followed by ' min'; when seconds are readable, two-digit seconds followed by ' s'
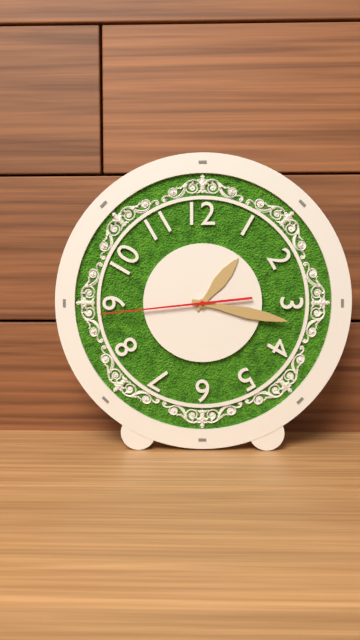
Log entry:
1 h 17 min 44 s
